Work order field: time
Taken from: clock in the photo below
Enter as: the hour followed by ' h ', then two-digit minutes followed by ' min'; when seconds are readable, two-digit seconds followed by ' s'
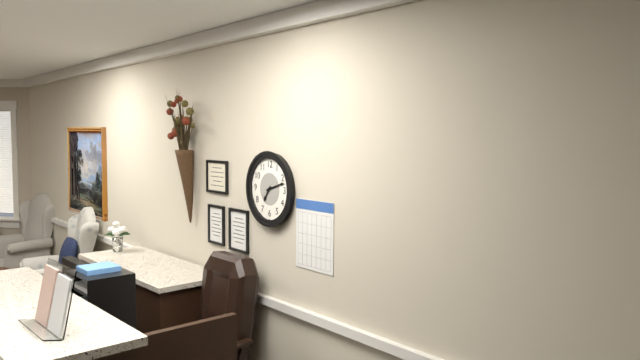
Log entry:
7 h 12 min
